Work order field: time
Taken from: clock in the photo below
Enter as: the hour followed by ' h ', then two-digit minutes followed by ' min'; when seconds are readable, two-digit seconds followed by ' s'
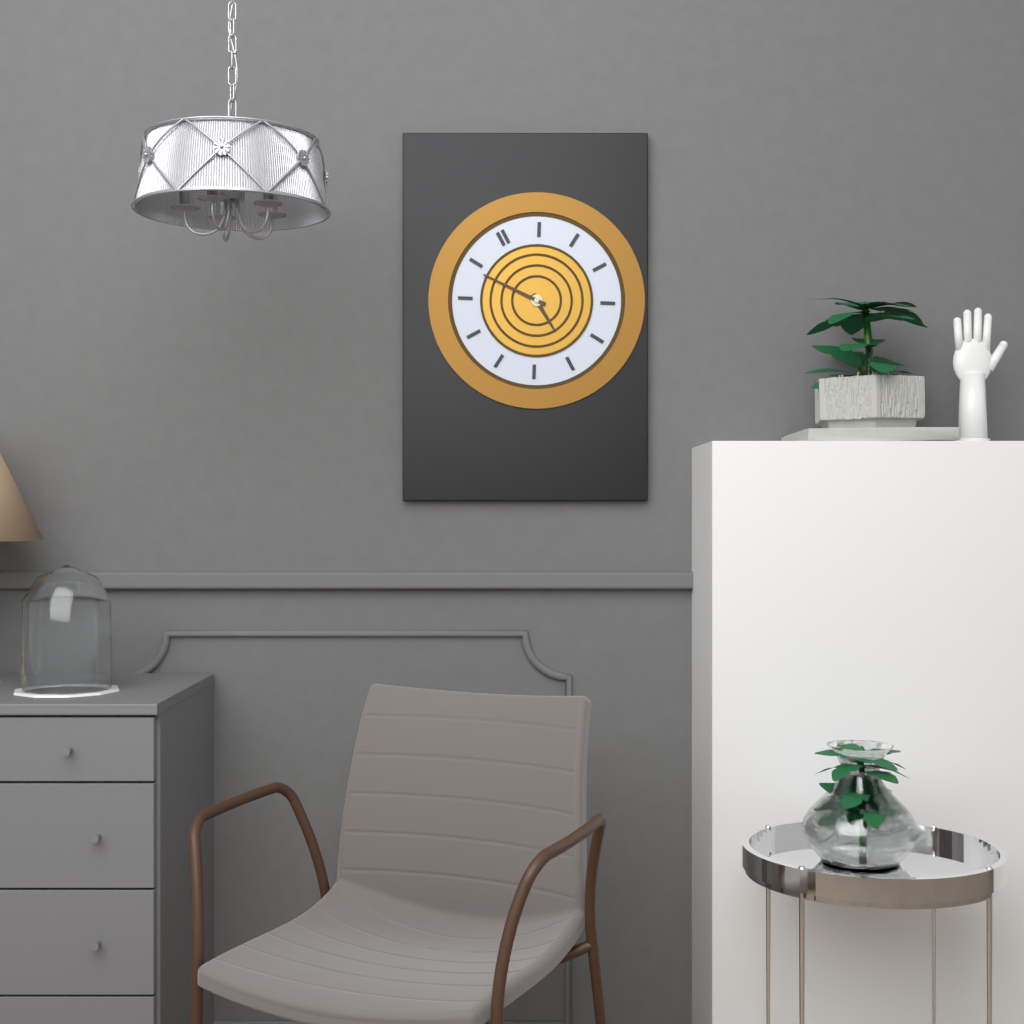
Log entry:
5 h 54 min
